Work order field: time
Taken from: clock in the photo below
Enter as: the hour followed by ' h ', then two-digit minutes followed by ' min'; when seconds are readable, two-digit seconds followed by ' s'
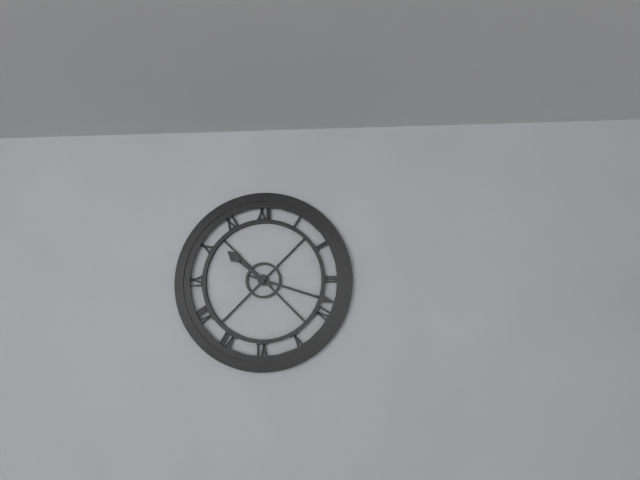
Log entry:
10 h 18 min
